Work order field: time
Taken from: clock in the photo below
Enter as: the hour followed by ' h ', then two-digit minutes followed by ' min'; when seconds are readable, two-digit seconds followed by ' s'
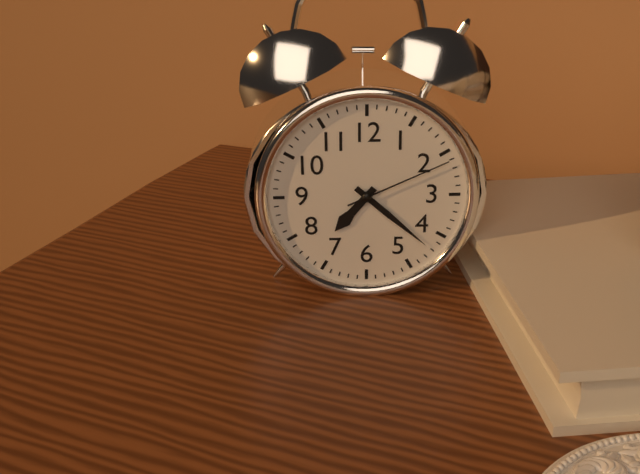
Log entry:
7 h 22 min 11 s
